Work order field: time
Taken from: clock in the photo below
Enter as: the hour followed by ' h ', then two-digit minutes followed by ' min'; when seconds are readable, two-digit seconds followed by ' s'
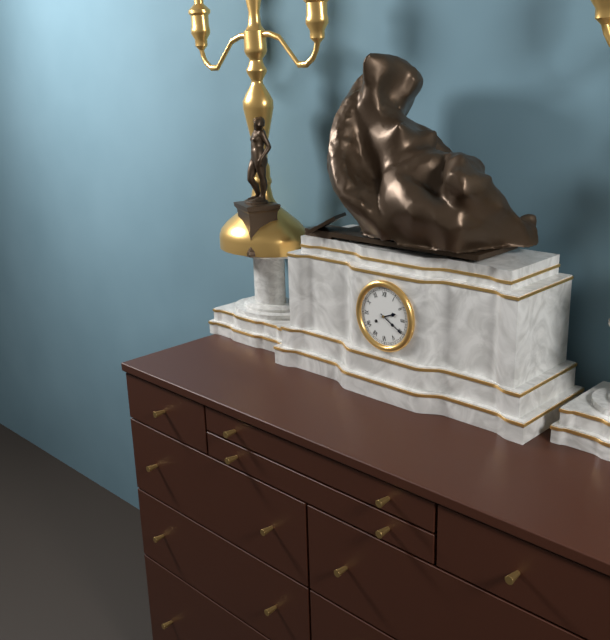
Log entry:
2 h 20 min
